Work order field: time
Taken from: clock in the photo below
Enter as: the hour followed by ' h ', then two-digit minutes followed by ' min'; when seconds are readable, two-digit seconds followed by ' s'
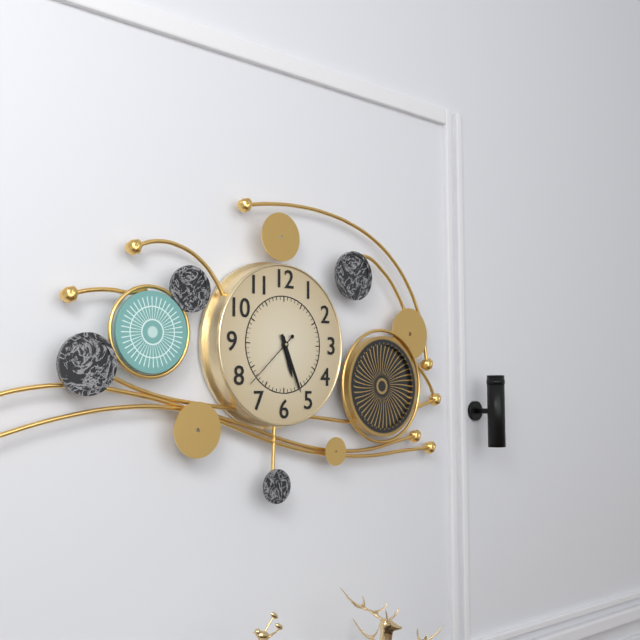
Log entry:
5 h 26 min 38 s
